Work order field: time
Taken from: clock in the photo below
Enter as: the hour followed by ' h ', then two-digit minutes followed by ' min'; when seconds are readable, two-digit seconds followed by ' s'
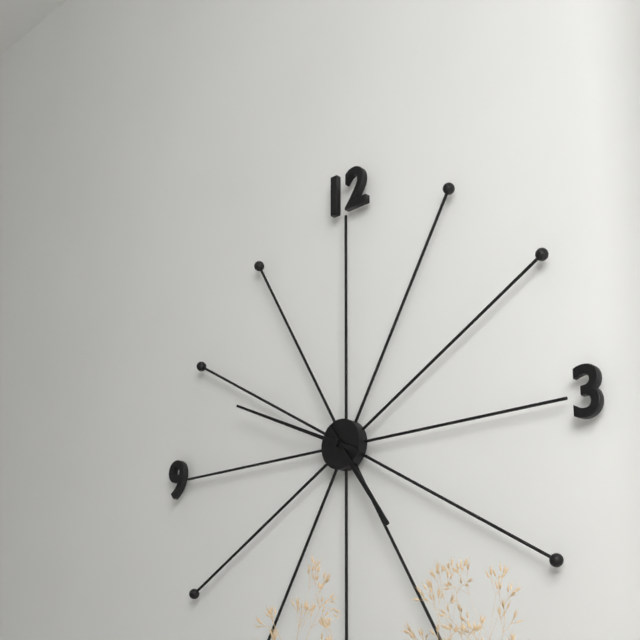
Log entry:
4 h 49 min
